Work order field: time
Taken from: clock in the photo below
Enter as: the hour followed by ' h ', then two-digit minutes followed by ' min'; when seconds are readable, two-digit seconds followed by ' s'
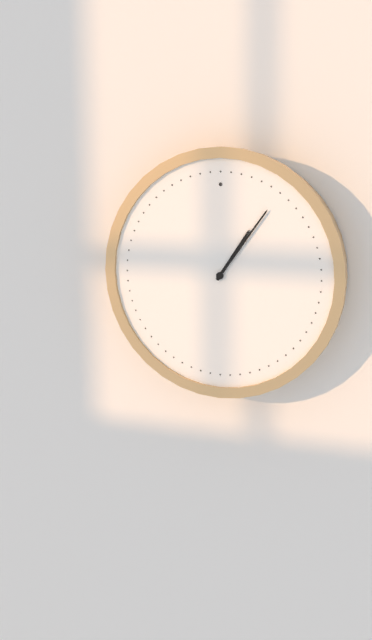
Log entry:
1 h 06 min
